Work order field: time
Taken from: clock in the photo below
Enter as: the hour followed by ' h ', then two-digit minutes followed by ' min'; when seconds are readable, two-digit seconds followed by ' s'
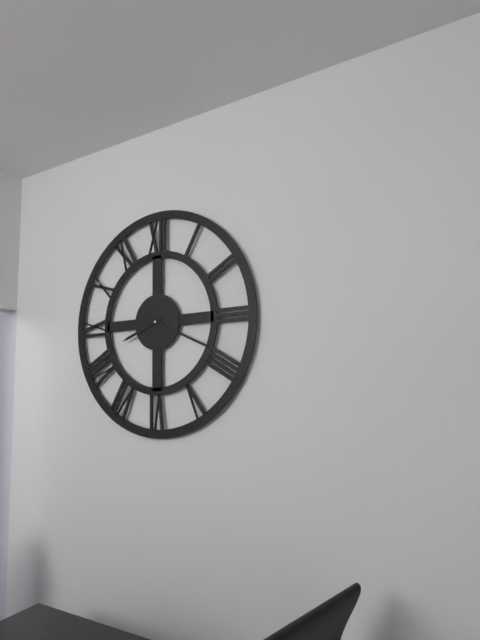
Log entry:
8 h 19 min
